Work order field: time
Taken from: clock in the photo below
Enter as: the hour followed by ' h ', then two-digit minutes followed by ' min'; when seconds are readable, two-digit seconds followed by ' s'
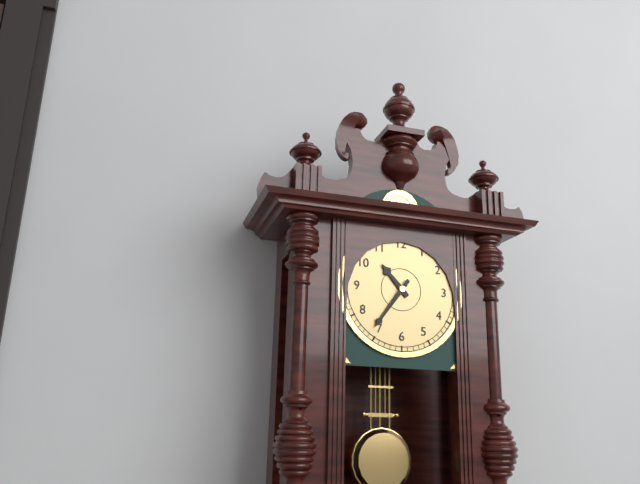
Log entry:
10 h 36 min
